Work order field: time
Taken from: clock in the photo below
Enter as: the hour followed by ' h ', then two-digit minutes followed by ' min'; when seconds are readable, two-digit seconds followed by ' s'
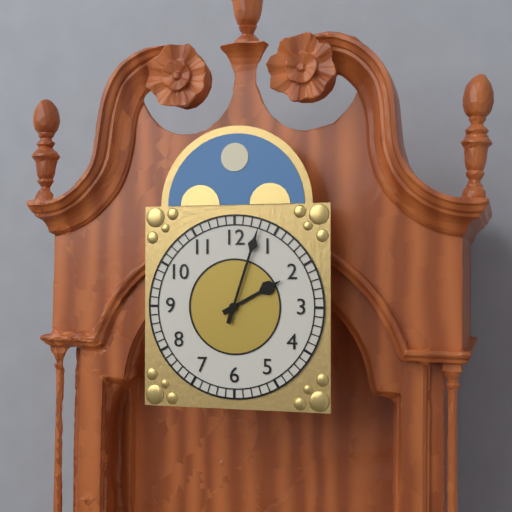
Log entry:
2 h 03 min
